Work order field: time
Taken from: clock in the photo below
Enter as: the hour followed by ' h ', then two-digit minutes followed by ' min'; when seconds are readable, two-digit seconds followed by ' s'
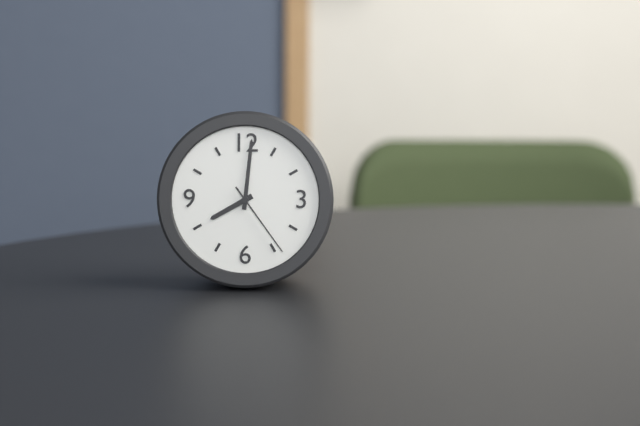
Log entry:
8 h 01 min 24 s
